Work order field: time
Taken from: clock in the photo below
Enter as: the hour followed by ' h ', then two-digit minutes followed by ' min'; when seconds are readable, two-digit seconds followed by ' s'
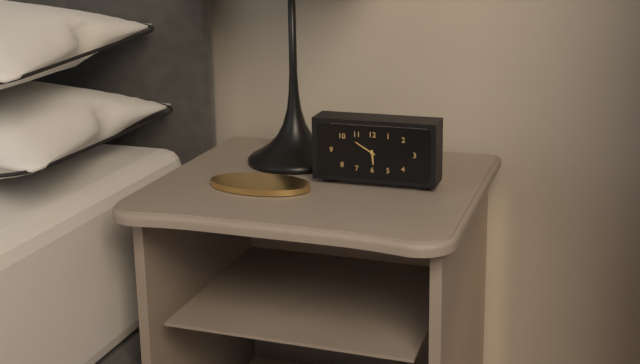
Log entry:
5 h 50 min
